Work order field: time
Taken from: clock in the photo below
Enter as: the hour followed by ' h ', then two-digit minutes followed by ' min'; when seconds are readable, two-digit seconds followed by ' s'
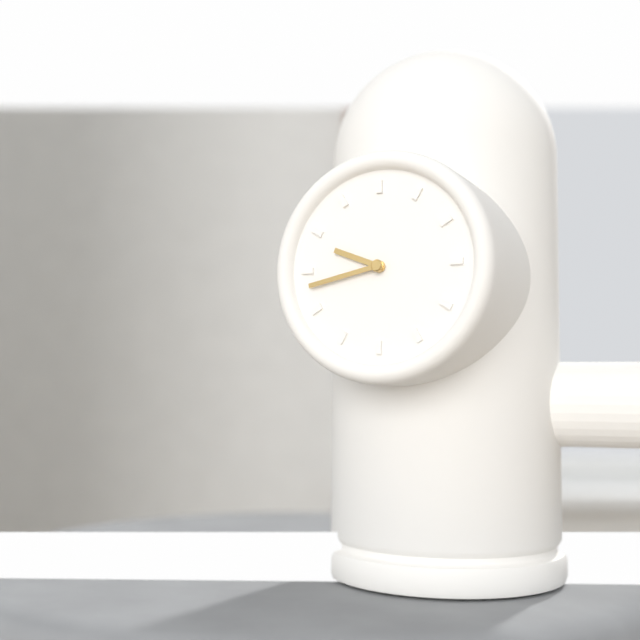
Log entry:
9 h 43 min
